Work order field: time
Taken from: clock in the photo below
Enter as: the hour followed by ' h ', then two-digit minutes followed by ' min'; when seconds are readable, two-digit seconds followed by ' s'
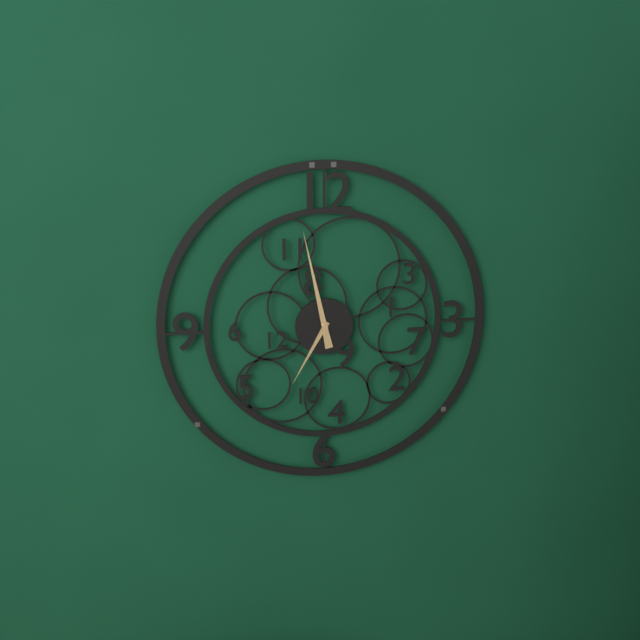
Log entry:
6 h 58 min
